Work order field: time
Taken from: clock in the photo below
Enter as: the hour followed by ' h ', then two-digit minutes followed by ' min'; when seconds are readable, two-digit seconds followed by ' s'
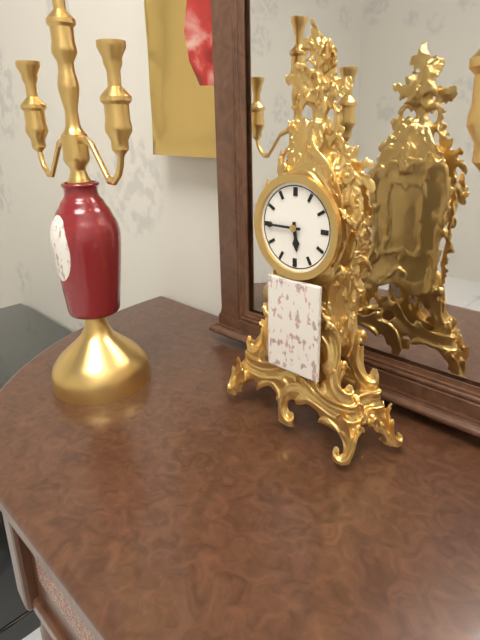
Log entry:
5 h 45 min
